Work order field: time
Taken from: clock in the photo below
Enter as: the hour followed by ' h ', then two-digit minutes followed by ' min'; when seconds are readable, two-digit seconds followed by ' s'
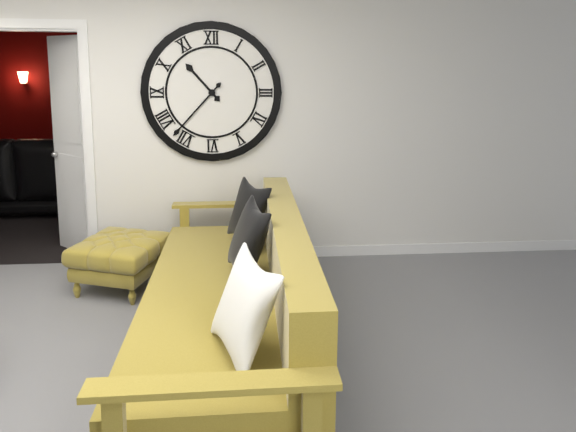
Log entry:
10 h 37 min
